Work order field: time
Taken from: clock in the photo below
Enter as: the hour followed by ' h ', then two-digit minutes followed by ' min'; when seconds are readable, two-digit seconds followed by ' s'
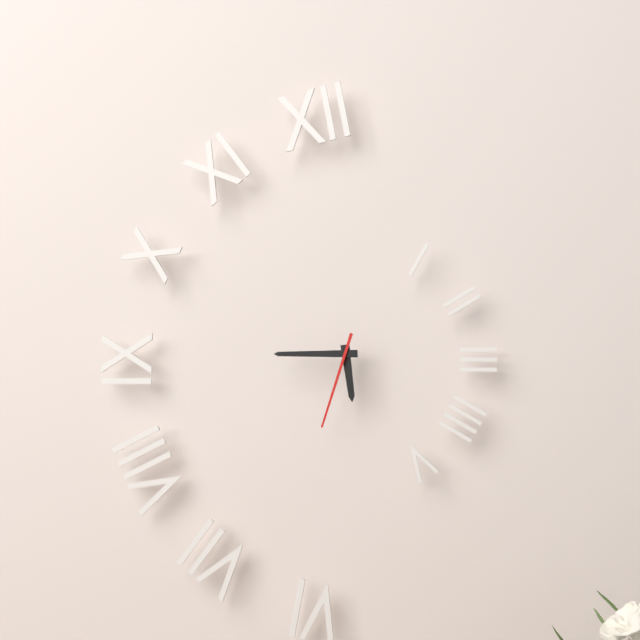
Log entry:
5 h 45 min 33 s
